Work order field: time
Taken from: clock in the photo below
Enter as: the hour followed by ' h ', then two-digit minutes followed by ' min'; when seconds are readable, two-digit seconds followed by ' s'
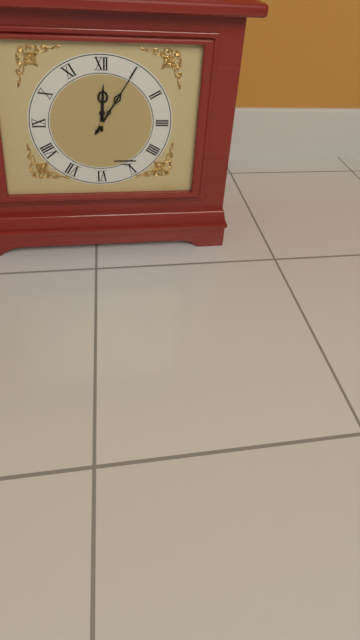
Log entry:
12 h 05 min
